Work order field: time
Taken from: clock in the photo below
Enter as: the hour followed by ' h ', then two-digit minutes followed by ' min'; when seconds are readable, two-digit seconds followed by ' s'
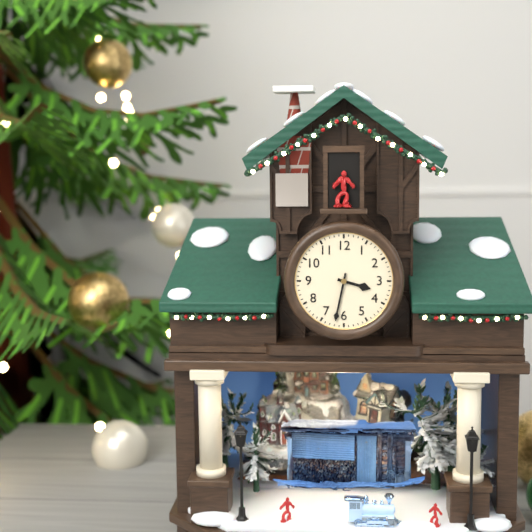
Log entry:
3 h 32 min
